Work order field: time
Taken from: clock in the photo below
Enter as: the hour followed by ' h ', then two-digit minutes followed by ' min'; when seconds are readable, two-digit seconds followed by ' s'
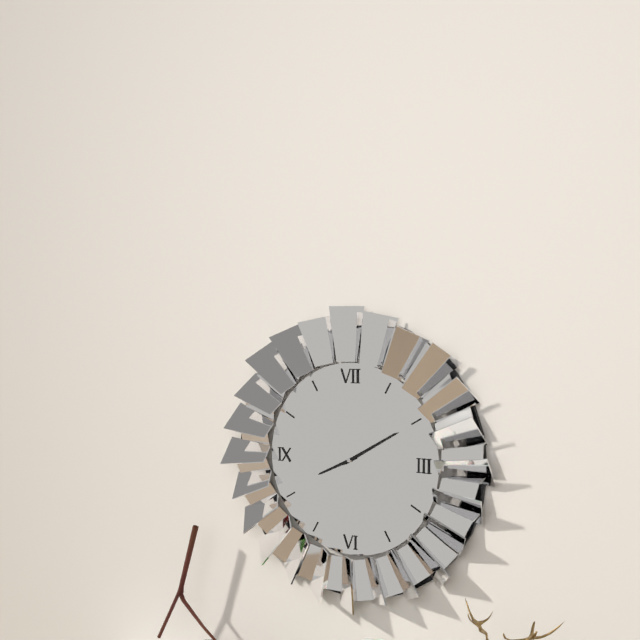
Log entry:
8 h 10 min
